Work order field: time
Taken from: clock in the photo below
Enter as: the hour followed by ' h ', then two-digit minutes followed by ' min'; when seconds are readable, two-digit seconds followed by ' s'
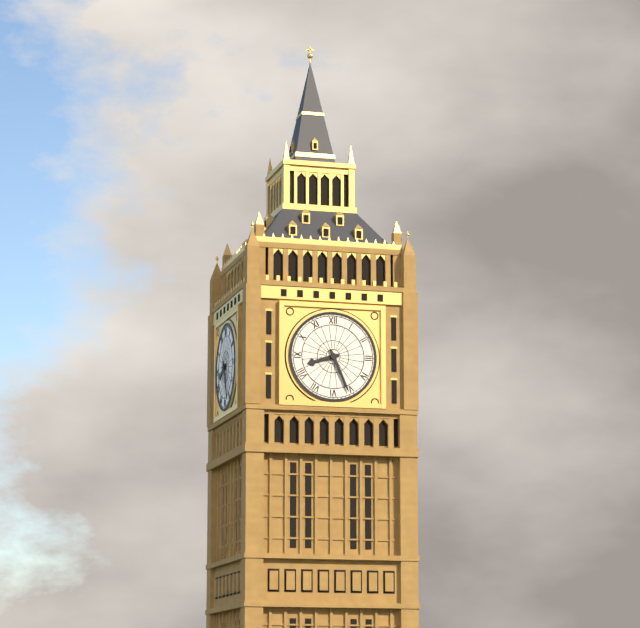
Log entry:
8 h 26 min
